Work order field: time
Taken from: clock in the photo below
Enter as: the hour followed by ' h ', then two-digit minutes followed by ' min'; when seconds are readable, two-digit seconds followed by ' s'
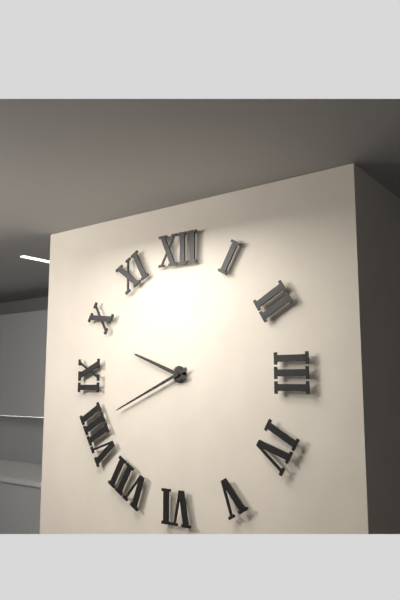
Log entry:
9 h 41 min
